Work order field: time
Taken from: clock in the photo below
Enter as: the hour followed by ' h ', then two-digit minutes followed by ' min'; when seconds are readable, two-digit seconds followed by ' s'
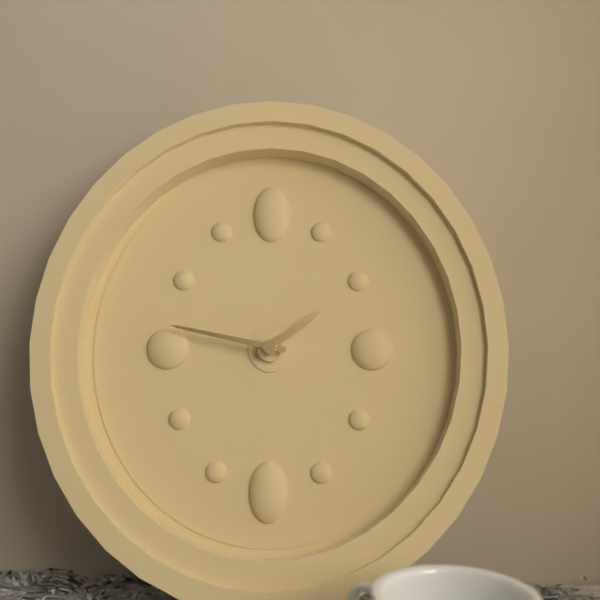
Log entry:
1 h 47 min
